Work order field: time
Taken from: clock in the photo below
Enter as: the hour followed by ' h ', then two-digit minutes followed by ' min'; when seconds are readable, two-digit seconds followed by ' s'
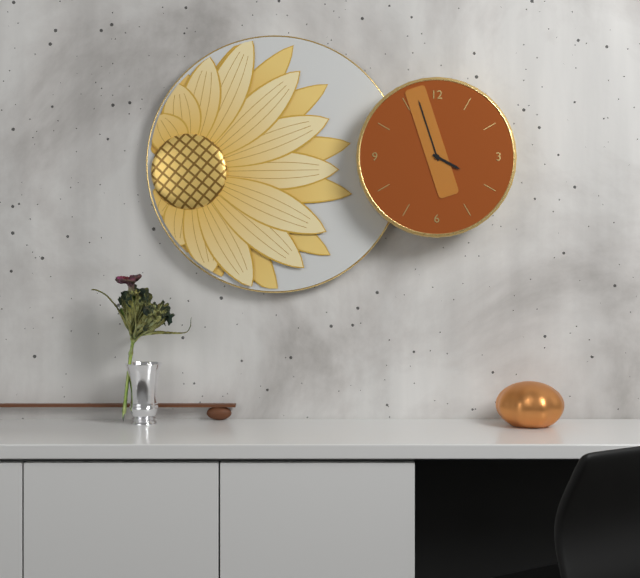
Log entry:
3 h 57 min
